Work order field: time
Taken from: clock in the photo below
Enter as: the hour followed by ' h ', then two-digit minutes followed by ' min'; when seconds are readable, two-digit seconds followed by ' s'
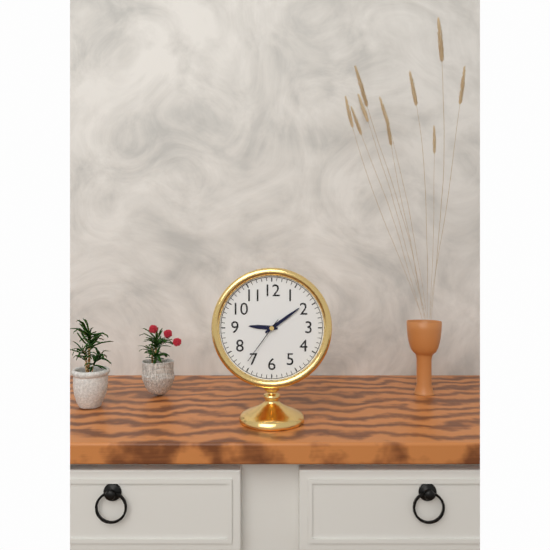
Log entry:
9 h 09 min 36 s
